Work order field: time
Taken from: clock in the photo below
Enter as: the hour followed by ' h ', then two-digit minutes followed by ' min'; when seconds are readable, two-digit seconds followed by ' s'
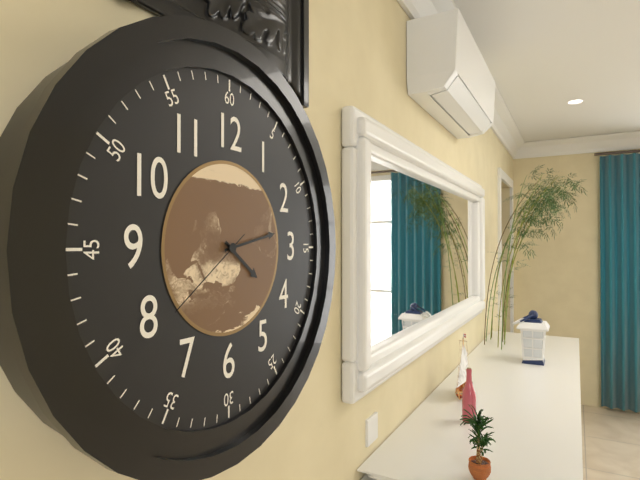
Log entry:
4 h 13 min 39 s
